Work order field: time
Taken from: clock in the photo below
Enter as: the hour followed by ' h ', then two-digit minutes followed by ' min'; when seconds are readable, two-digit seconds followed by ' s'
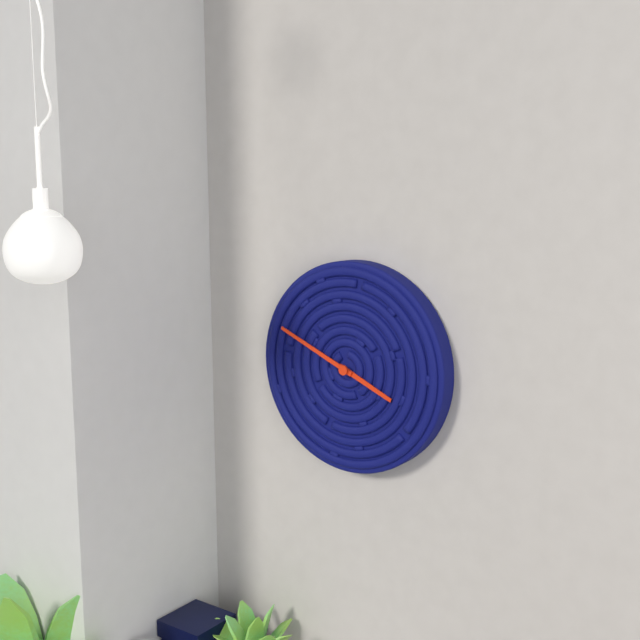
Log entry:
3 h 49 min
